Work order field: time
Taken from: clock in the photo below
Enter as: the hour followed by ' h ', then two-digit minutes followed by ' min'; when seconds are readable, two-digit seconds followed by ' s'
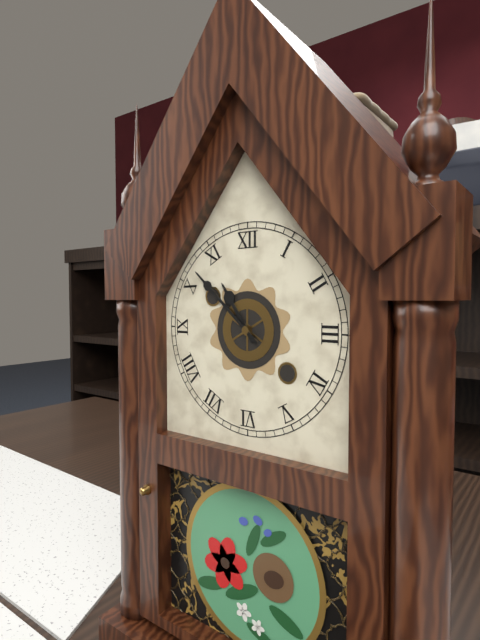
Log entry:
10 h 52 min
